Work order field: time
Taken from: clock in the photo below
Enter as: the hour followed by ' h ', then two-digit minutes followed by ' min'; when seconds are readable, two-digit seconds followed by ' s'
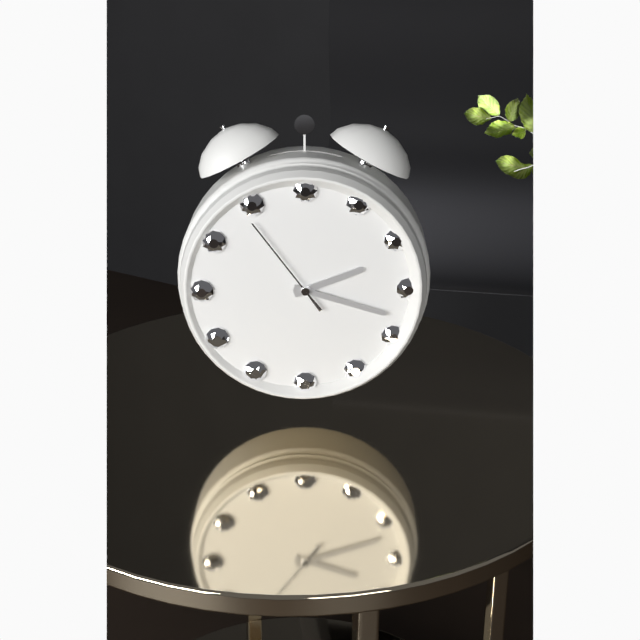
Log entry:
2 h 18 min 54 s
